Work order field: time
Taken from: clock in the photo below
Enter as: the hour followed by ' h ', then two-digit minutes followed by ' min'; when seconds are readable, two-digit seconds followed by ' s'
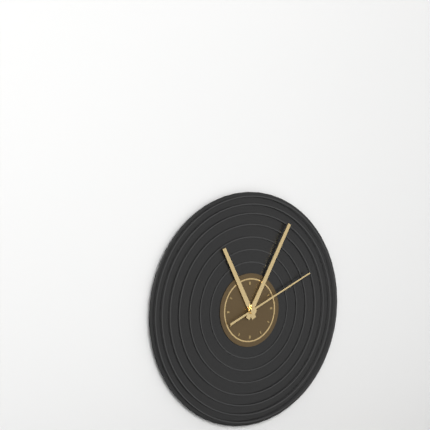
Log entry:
11 h 05 min 11 s
